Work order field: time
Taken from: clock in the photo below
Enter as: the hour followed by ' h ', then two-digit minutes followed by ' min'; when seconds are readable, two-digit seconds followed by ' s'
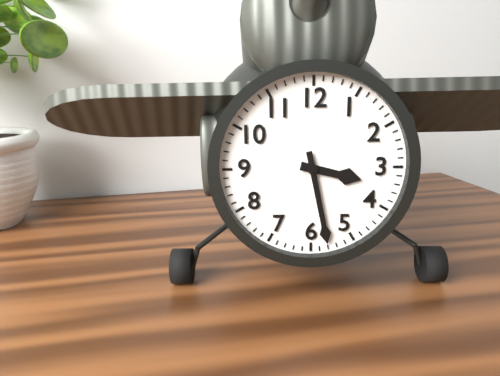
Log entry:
3 h 28 min
